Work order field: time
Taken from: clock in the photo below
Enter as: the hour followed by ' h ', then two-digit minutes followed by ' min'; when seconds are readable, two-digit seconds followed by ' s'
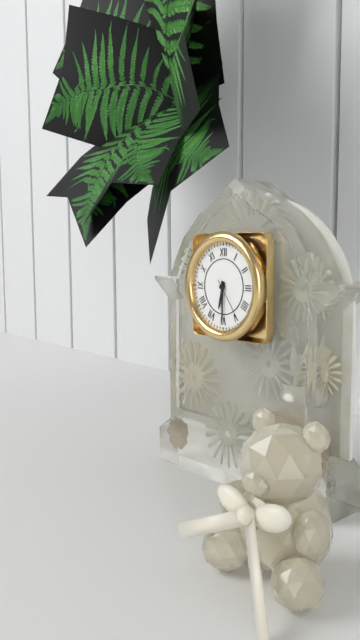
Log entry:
6 h 30 min
